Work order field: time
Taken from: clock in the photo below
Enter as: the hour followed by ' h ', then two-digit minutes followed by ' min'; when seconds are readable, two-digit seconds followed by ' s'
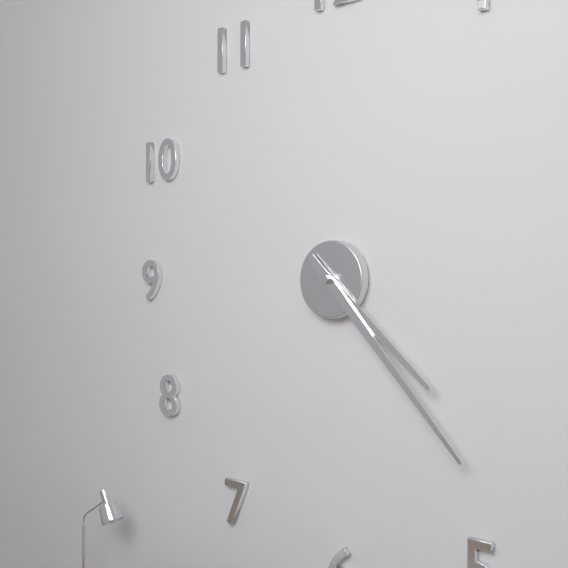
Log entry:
4 h 23 min
